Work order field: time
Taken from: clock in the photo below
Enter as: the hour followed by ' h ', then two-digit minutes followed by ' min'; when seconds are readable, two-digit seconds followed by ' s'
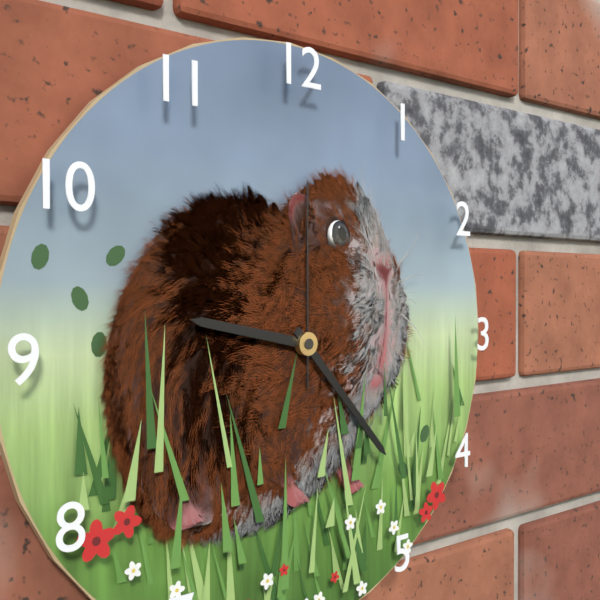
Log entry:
9 h 23 min 00 s
